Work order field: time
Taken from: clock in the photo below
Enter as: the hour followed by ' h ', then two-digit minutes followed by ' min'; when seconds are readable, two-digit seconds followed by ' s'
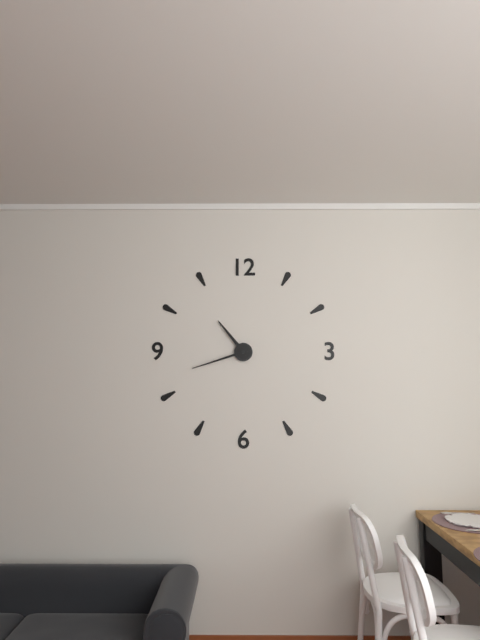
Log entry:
10 h 42 min
